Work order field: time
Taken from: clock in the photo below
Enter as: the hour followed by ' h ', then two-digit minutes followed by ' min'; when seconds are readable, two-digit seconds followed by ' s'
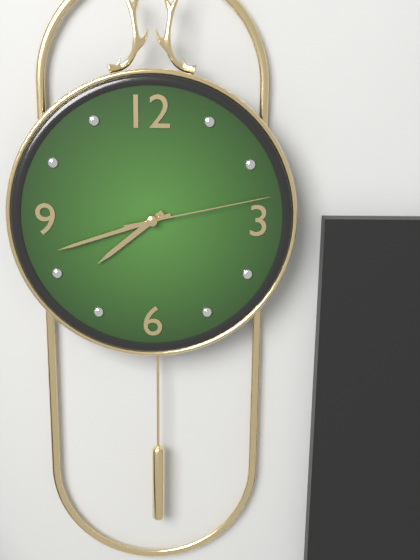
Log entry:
7 h 42 min 13 s
